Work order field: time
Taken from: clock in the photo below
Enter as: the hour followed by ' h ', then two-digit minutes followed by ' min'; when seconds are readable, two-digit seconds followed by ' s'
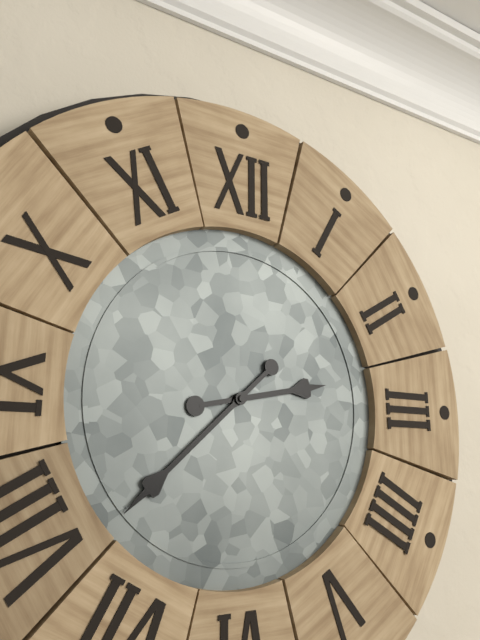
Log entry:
2 h 38 min
